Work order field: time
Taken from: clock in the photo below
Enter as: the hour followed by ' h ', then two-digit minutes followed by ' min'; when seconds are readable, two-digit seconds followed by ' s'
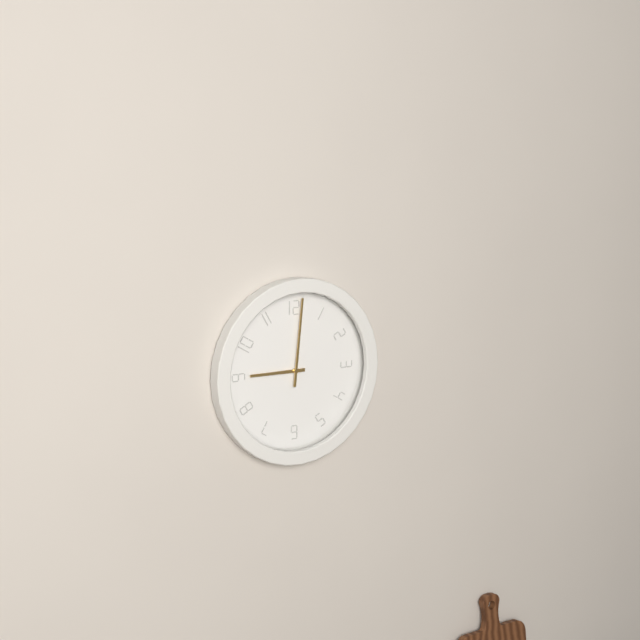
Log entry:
9 h 01 min
